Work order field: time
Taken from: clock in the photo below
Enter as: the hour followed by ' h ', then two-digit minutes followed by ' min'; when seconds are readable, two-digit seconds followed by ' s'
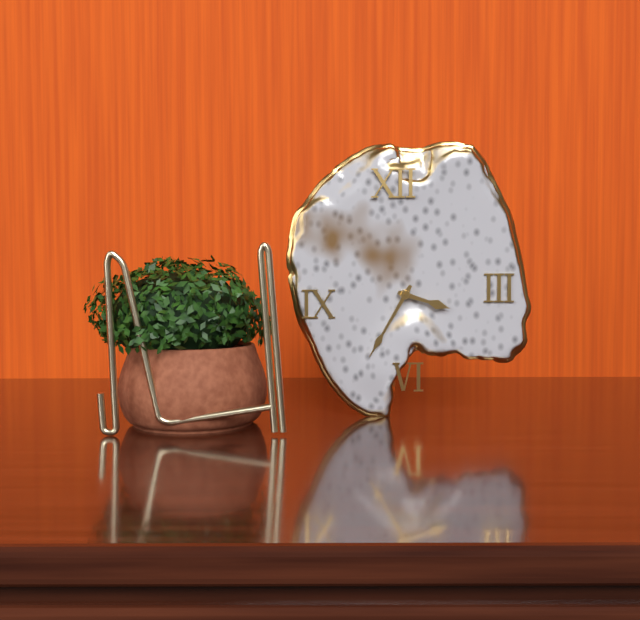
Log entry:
3 h 35 min
